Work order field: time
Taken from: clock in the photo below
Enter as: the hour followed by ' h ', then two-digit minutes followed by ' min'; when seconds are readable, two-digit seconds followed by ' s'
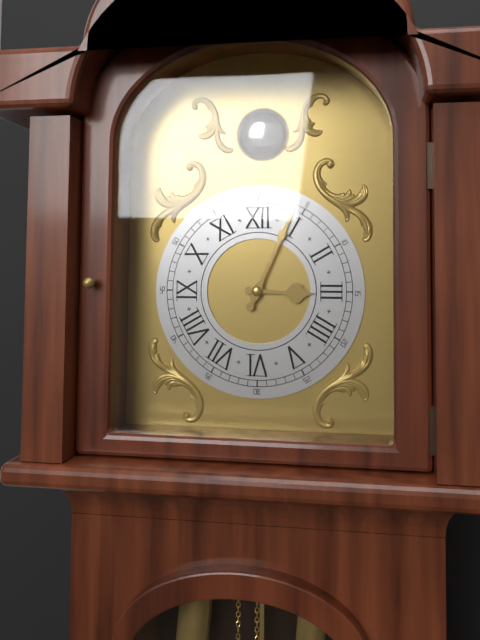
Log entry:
3 h 04 min
